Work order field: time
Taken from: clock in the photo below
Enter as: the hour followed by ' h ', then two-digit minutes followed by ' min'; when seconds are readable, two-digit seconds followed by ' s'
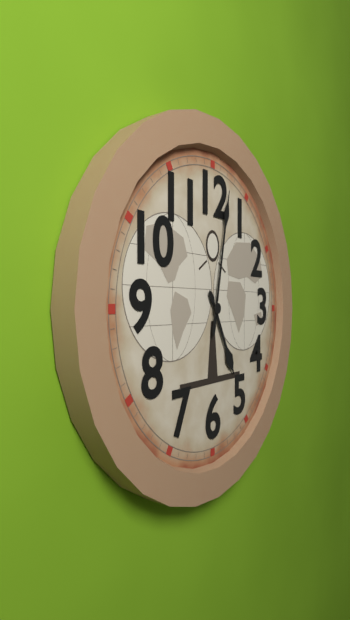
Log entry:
5 h 02 min
